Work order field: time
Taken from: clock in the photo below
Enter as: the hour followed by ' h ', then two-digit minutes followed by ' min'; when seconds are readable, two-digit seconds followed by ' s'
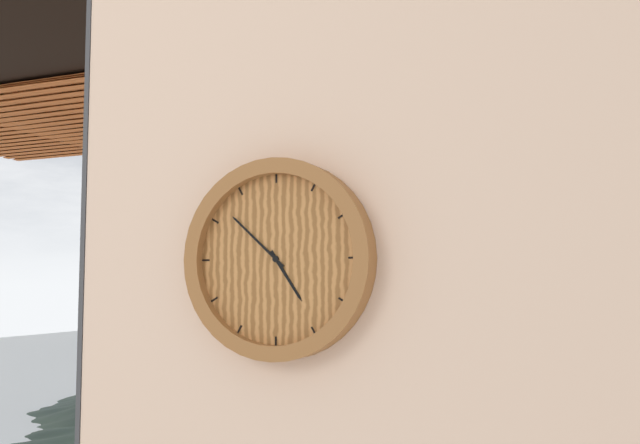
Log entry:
4 h 52 min
